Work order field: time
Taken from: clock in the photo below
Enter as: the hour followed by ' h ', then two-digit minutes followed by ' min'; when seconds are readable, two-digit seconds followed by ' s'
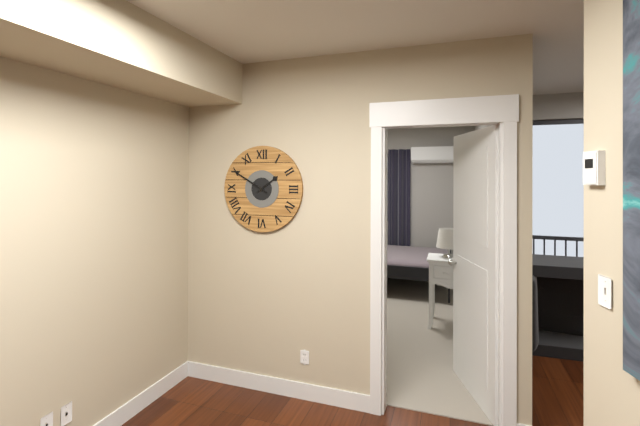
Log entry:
1 h 50 min
